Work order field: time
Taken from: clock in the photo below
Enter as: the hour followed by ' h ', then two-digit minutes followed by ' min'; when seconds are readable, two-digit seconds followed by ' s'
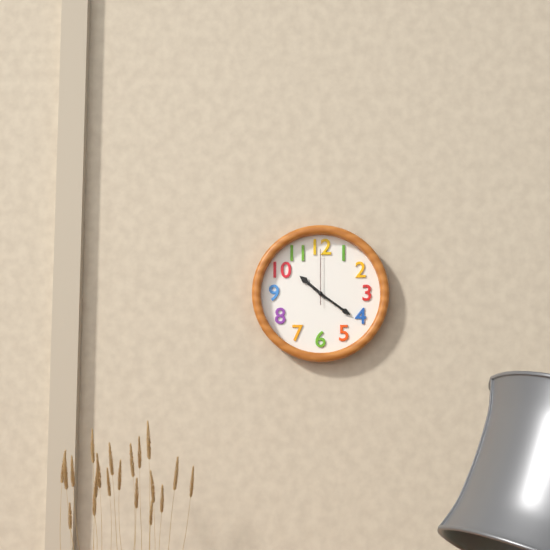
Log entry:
10 h 21 min 00 s
